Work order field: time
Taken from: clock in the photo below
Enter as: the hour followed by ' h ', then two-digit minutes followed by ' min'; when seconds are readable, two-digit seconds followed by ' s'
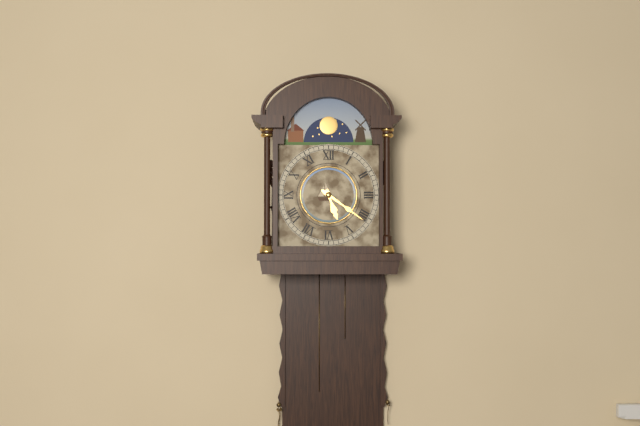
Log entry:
5 h 21 min
